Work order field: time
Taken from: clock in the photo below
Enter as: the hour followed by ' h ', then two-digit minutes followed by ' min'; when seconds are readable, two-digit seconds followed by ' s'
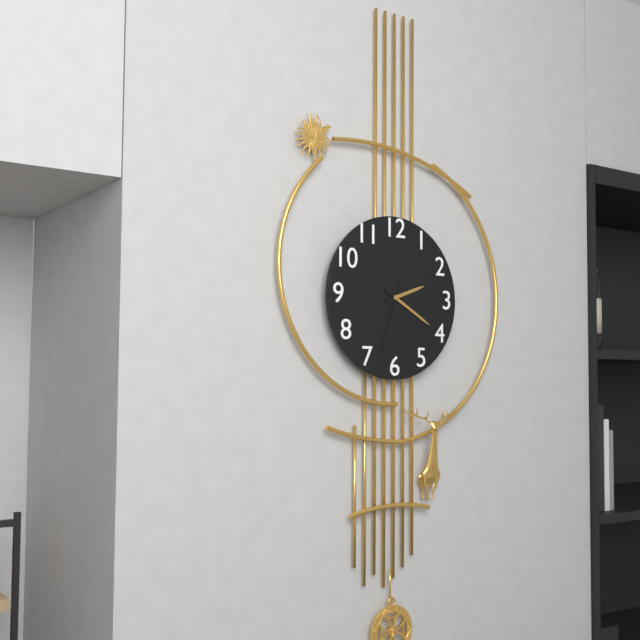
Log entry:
2 h 20 min 33 s
